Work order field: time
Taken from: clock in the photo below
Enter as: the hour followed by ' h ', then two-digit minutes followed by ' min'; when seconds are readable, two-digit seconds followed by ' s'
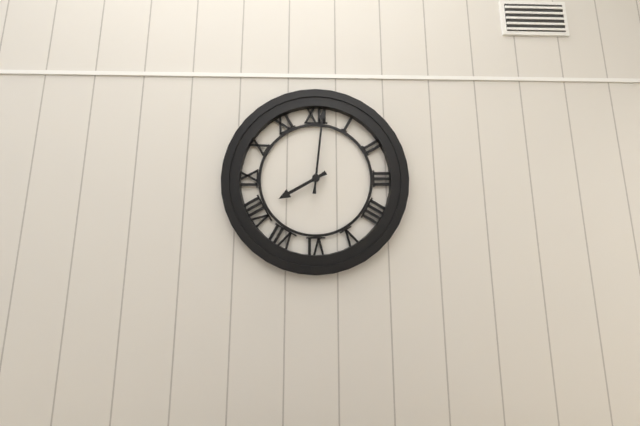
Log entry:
8 h 01 min
